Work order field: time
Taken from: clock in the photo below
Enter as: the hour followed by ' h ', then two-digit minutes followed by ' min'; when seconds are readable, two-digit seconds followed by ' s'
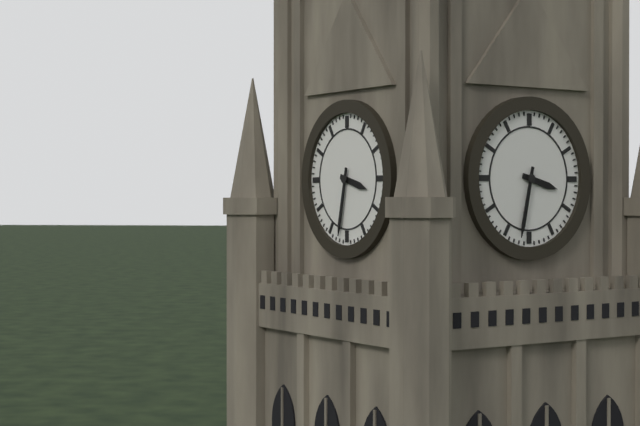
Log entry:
3 h 32 min
